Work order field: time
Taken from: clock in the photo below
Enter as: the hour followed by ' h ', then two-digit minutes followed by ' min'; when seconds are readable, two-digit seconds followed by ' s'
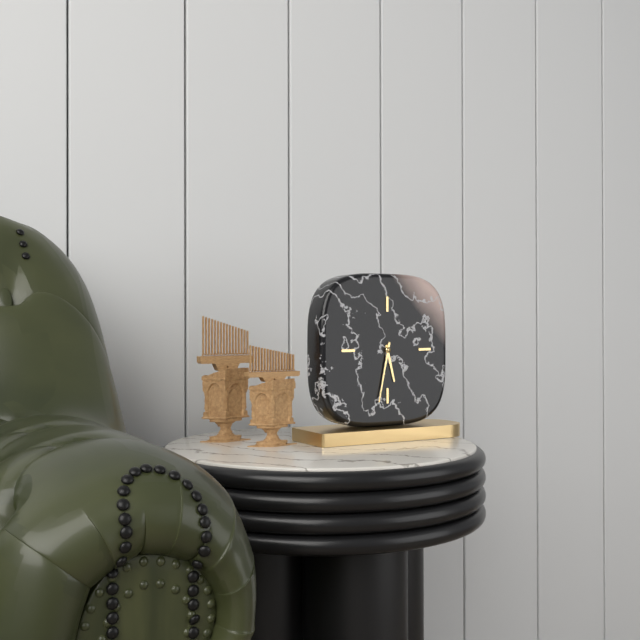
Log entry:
5 h 32 min
